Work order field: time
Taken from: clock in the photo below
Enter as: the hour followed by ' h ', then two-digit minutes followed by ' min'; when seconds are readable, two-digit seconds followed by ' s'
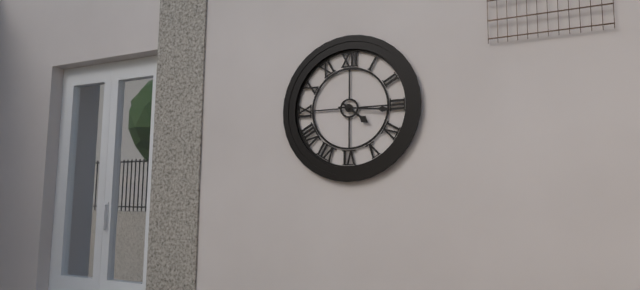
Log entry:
4 h 16 min
